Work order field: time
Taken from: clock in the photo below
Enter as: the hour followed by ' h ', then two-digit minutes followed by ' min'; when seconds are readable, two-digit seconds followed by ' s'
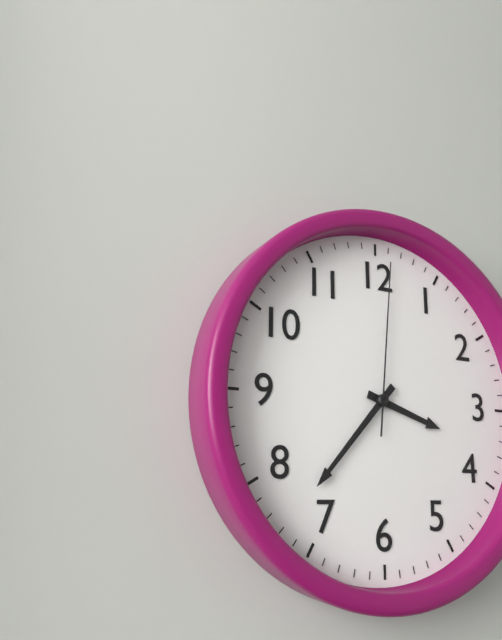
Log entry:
3 h 37 min 01 s
